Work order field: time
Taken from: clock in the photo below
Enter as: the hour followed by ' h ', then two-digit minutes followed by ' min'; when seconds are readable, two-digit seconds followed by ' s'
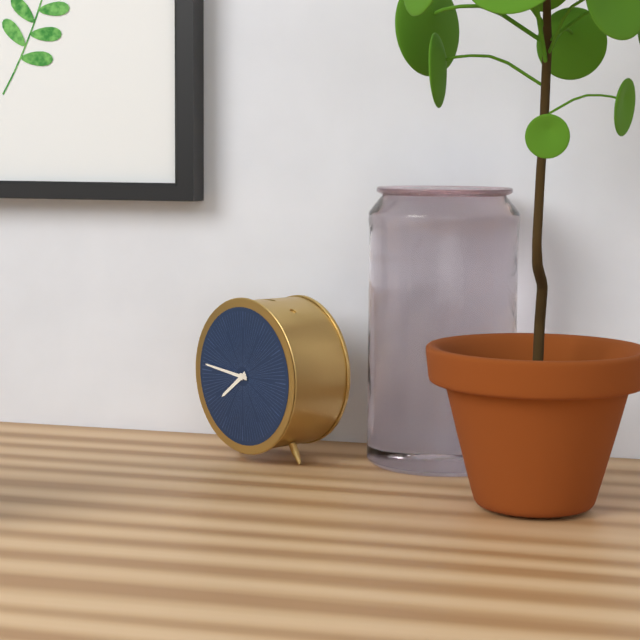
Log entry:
7 h 46 min
